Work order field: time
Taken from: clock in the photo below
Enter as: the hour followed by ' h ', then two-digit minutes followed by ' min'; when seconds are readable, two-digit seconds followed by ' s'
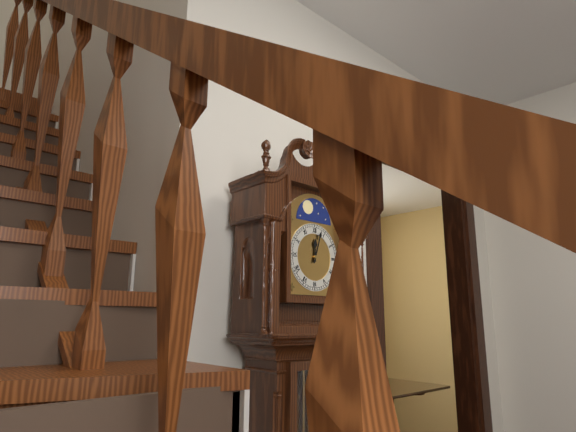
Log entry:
12 h 03 min
